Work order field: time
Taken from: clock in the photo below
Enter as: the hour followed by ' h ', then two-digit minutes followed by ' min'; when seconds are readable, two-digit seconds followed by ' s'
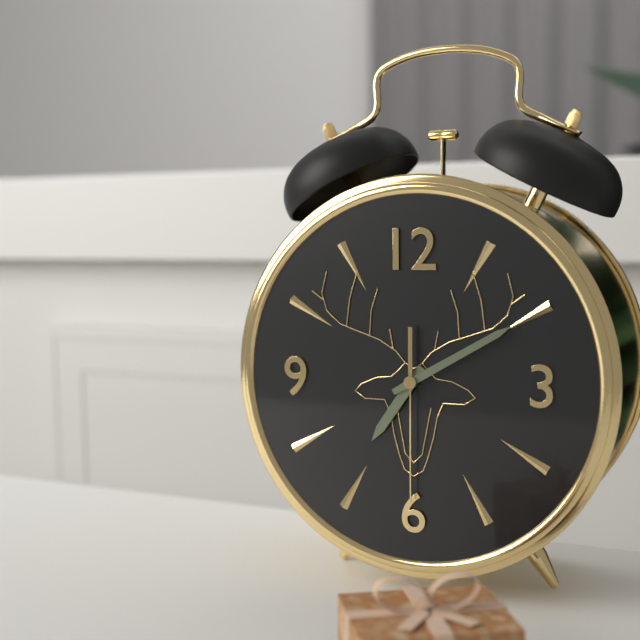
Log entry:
7 h 10 min 30 s
